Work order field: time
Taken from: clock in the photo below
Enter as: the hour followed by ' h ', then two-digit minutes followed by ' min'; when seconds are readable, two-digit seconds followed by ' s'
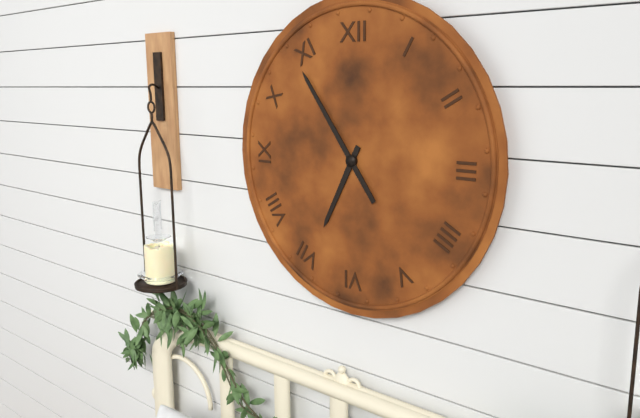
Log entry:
6 h 54 min
